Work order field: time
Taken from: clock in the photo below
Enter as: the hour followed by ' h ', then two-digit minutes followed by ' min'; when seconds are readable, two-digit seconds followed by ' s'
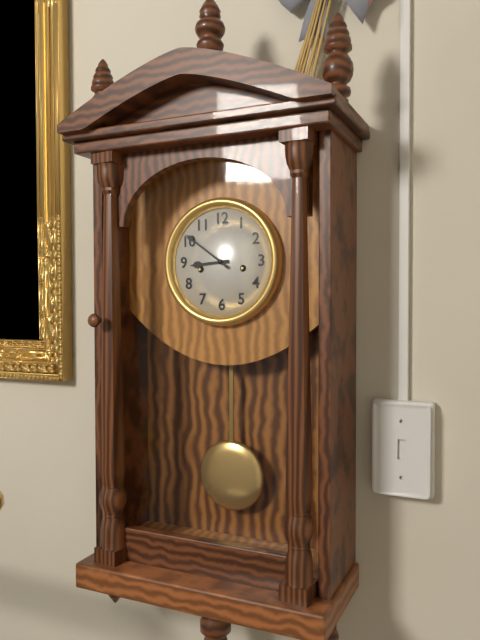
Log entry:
8 h 51 min
